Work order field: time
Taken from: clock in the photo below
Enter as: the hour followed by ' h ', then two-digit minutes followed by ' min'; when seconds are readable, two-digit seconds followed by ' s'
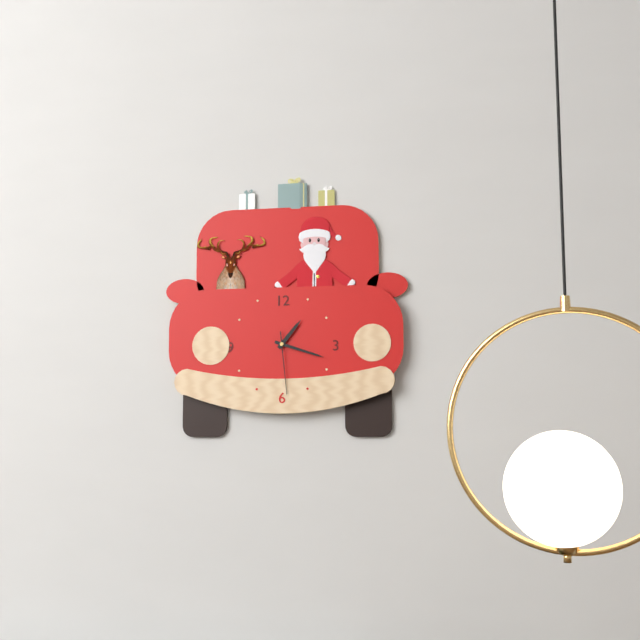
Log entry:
1 h 18 min 29 s
